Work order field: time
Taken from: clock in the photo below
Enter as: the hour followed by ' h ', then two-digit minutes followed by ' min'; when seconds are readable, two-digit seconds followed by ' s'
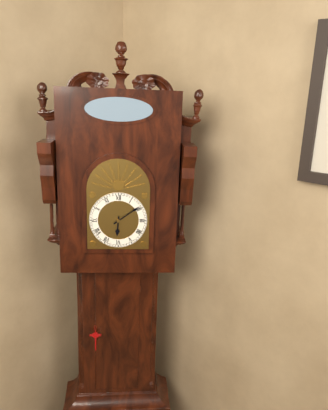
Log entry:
6 h 09 min
